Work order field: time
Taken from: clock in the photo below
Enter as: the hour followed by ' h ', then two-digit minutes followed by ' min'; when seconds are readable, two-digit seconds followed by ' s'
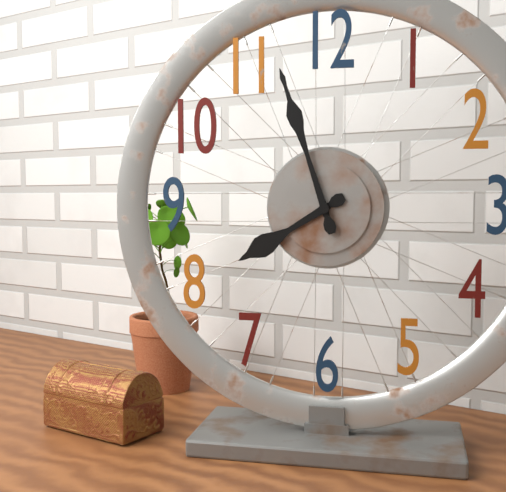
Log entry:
7 h 57 min
